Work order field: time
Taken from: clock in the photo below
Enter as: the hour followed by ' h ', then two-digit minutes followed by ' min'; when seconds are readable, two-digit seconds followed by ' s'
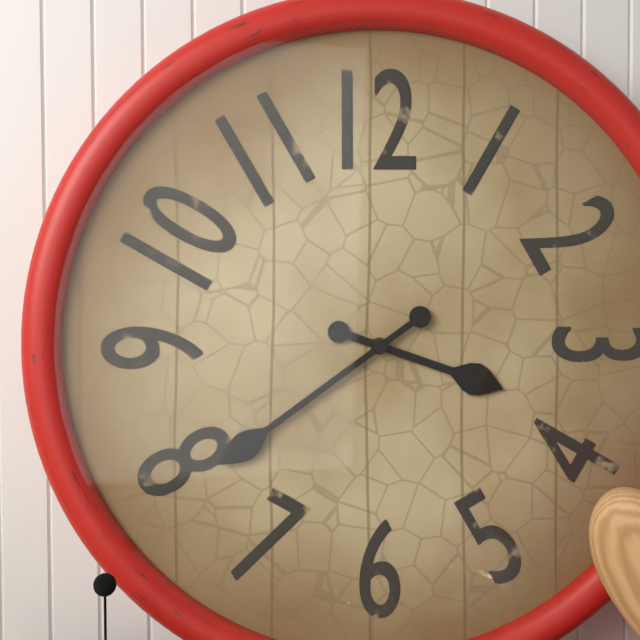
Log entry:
3 h 39 min
